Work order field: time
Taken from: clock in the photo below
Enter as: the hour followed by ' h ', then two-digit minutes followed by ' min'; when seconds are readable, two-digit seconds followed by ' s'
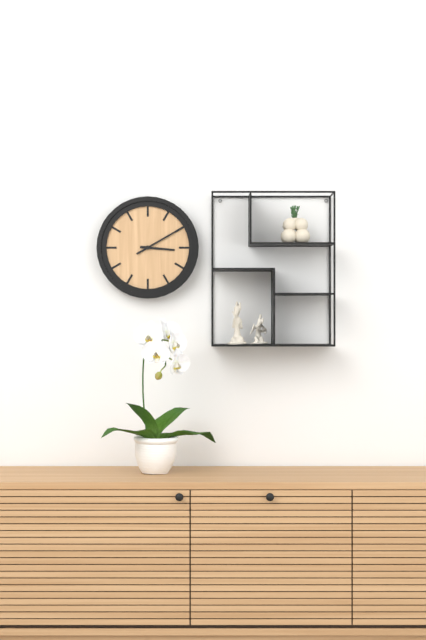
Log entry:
3 h 10 min
